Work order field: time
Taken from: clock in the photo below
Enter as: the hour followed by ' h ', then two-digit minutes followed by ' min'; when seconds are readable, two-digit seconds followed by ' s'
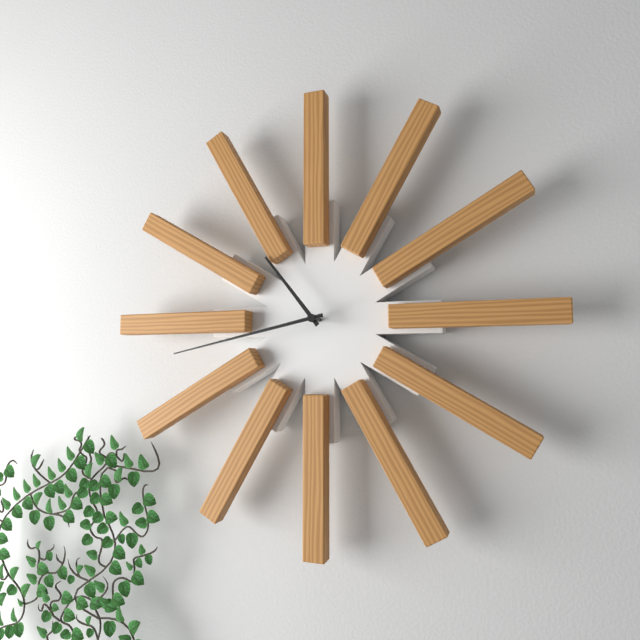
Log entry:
10 h 43 min
